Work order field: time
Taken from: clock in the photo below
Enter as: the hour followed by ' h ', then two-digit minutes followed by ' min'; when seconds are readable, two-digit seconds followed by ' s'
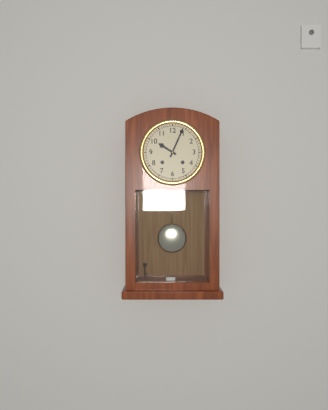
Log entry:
10 h 04 min
